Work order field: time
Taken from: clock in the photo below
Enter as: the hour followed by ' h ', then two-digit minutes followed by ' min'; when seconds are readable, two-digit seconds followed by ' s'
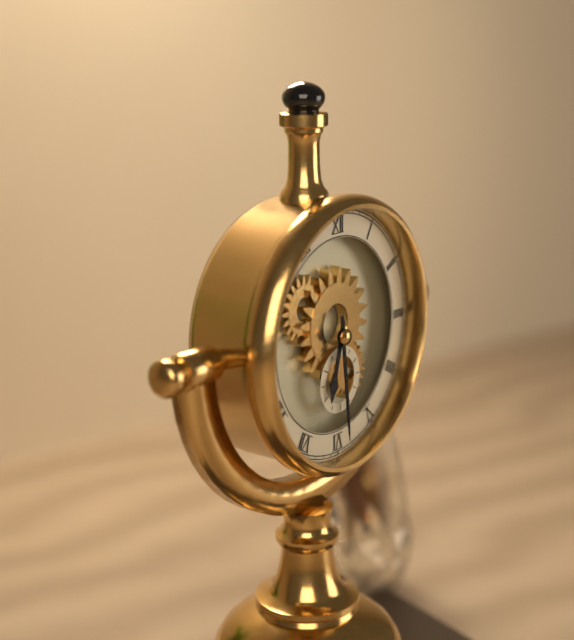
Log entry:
6 h 29 min
